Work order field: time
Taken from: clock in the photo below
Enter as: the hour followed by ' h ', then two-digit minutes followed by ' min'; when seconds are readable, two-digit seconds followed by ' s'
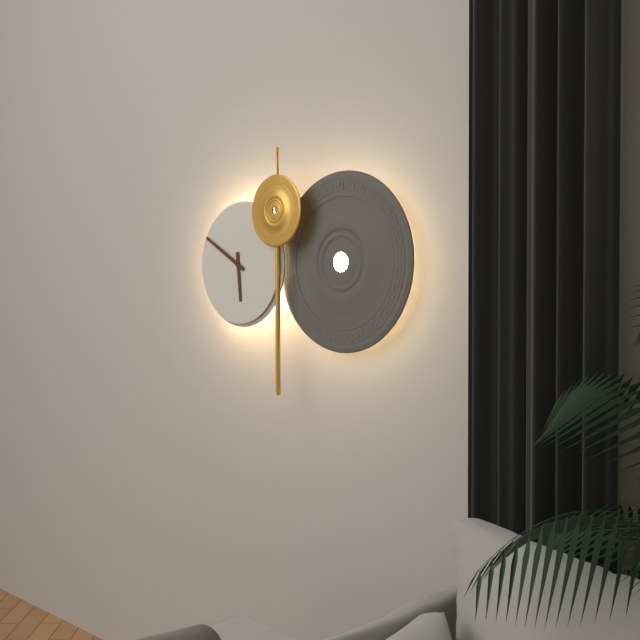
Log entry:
5 h 50 min
